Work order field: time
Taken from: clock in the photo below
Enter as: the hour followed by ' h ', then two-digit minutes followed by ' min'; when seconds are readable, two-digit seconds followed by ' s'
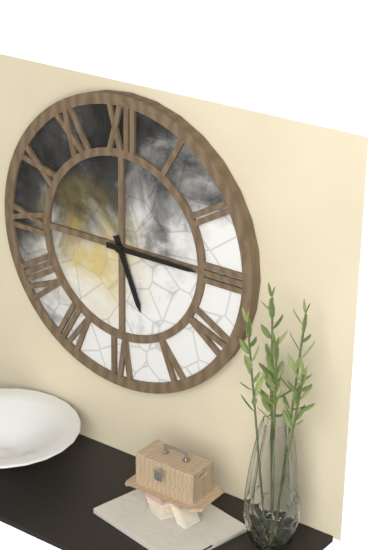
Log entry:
5 h 15 min
